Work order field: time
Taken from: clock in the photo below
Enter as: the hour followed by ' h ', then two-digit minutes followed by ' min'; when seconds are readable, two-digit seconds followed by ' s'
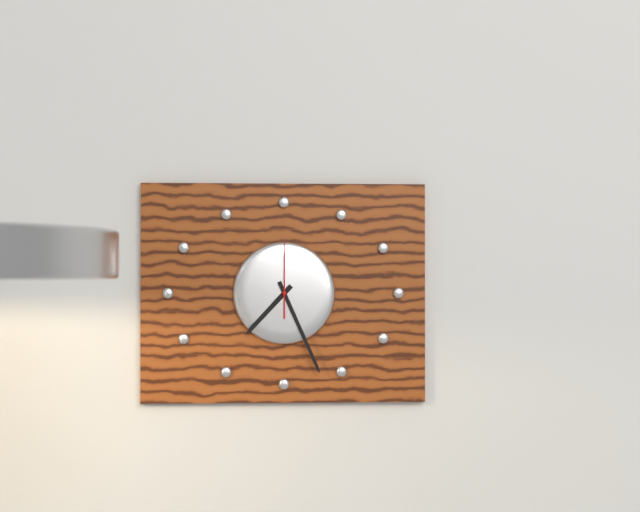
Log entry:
7 h 26 min 00 s
